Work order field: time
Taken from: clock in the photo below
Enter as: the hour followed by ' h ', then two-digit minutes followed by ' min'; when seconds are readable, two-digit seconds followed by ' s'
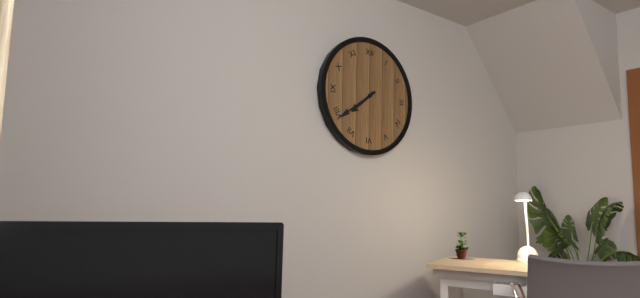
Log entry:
7 h 39 min
